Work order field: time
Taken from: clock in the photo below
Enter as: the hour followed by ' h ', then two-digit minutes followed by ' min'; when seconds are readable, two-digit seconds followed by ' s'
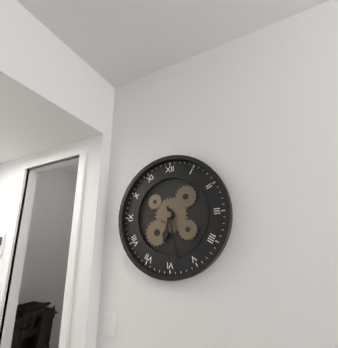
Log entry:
6 h 28 min
